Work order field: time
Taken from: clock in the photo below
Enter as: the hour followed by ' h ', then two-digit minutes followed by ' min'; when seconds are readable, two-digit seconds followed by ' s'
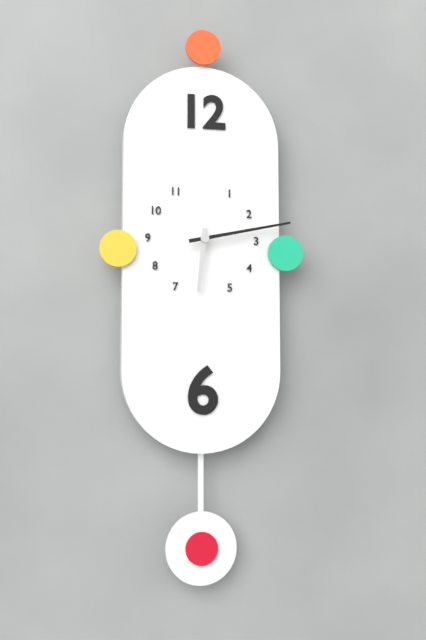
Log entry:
6 h 13 min
